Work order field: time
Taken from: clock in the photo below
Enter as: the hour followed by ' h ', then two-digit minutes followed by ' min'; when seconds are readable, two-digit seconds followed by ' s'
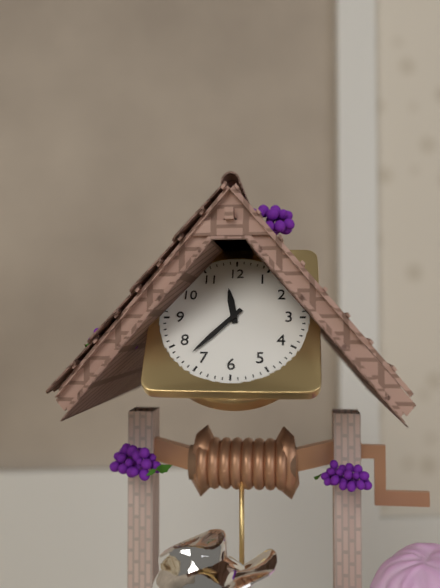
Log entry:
11 h 37 min
